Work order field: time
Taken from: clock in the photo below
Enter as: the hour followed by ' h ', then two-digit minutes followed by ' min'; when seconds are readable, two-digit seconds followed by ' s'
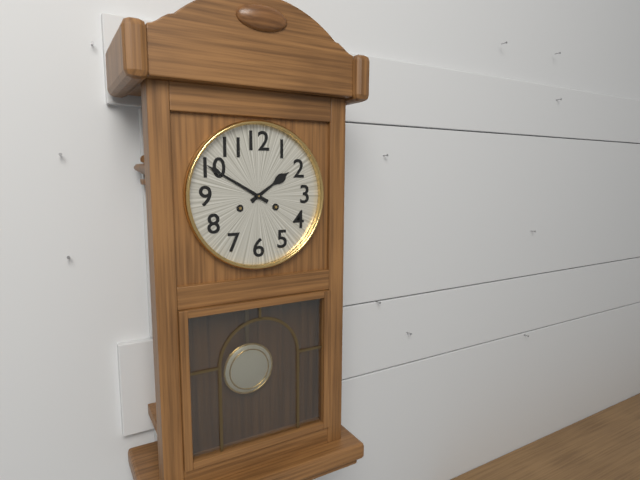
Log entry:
1 h 50 min
